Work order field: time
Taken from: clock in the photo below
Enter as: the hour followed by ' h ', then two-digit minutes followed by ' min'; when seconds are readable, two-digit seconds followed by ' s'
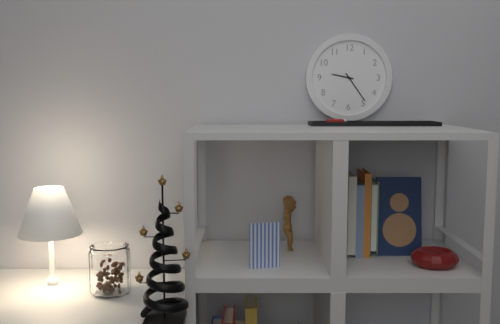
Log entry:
9 h 24 min
